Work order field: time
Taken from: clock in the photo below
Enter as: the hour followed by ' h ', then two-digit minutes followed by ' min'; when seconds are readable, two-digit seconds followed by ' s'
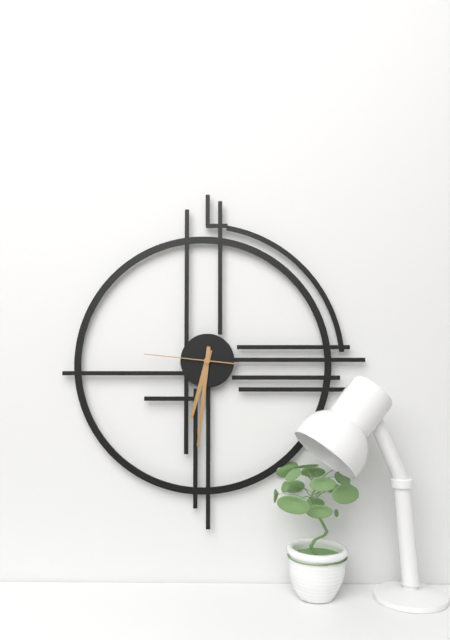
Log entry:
6 h 31 min 46 s
